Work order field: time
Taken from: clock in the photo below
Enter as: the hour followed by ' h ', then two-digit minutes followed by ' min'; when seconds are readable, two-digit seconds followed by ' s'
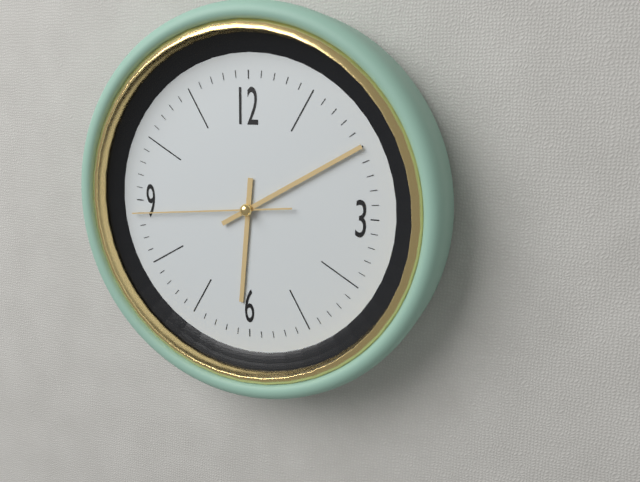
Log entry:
6 h 10 min 44 s
